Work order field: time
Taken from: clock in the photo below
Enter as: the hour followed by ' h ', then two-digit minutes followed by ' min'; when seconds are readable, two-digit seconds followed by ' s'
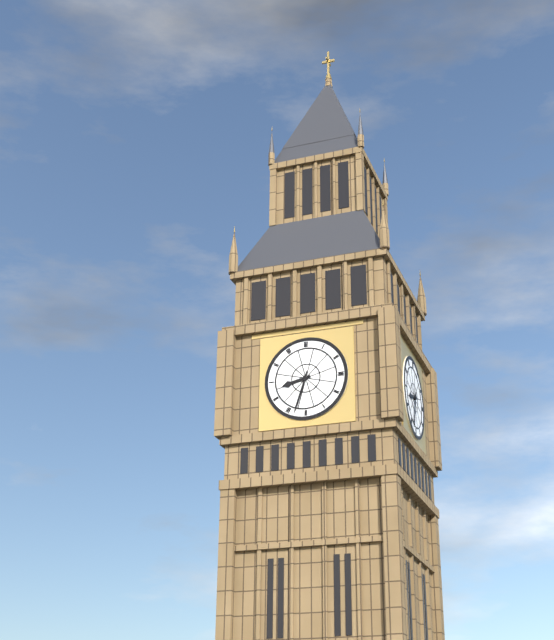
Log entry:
8 h 33 min
